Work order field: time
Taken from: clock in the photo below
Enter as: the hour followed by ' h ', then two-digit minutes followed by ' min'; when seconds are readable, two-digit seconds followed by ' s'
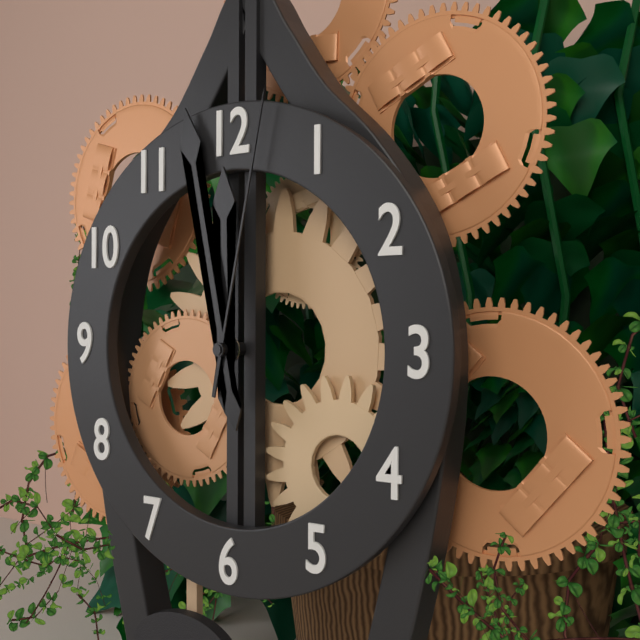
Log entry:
11 h 58 min 02 s
